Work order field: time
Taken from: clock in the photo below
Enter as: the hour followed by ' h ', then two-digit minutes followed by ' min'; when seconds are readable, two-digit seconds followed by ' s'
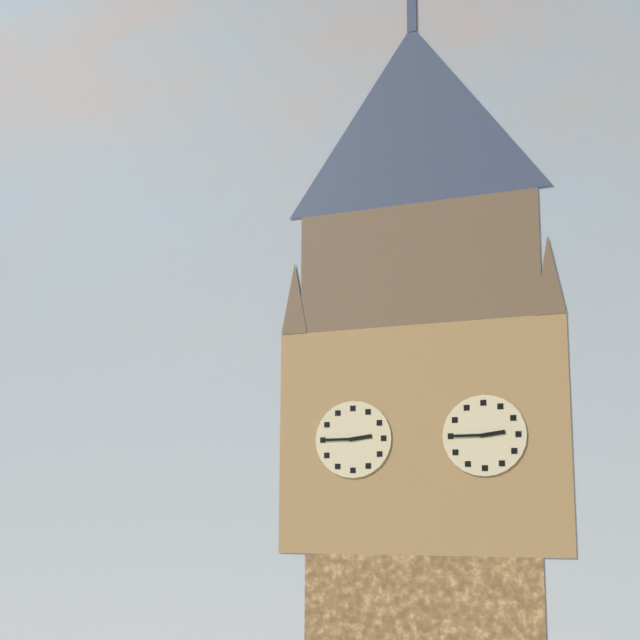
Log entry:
2 h 45 min
